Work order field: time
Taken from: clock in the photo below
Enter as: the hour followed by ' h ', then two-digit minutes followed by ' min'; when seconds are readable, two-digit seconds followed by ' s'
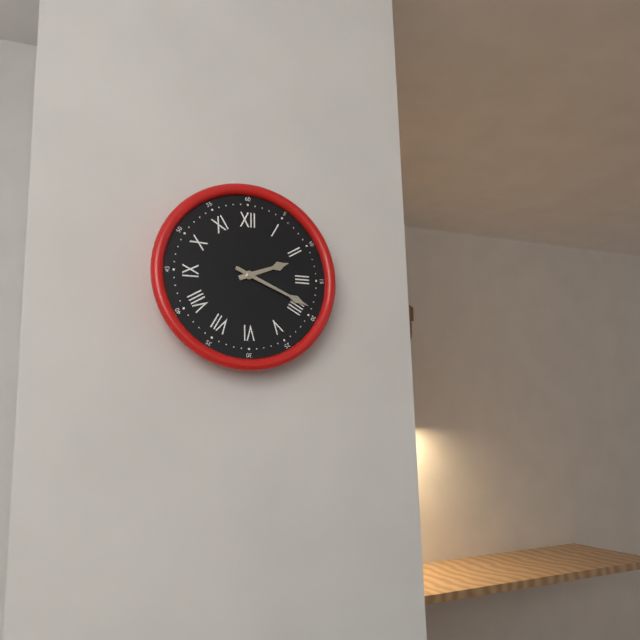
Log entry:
2 h 19 min
